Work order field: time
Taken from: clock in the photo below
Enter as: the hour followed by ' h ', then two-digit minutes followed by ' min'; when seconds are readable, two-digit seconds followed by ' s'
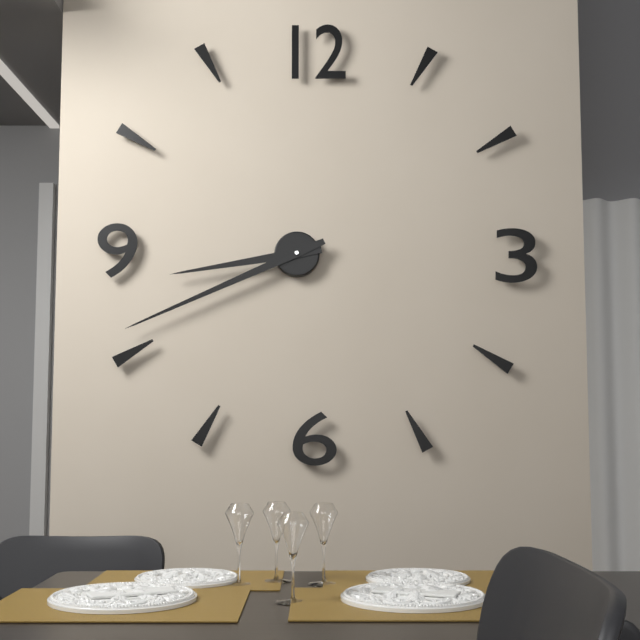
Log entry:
8 h 41 min
